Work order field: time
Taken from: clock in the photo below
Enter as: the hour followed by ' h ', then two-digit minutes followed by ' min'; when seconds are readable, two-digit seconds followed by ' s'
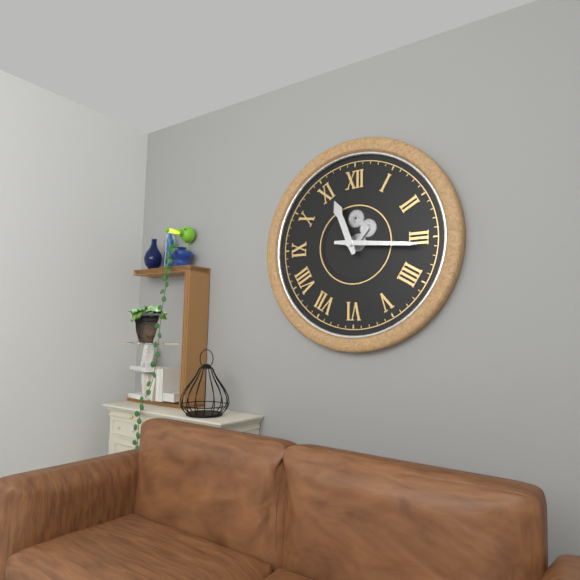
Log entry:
11 h 16 min
